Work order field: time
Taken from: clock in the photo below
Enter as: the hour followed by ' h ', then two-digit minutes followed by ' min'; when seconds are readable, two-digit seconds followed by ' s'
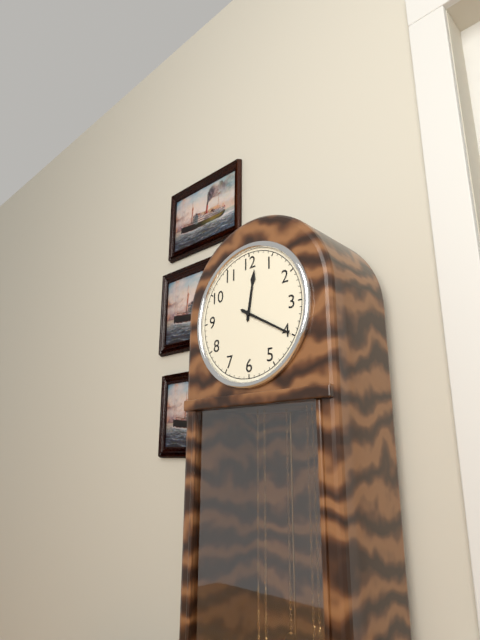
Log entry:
12 h 20 min
